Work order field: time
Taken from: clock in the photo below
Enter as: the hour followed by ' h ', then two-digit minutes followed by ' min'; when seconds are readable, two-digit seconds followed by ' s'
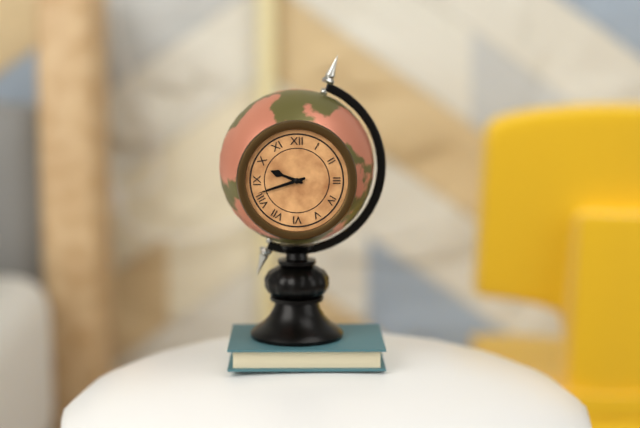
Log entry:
9 h 42 min
